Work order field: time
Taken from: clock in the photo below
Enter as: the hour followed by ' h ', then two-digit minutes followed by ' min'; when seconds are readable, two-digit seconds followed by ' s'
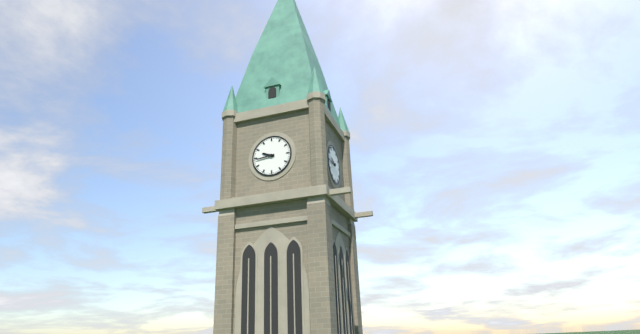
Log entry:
9 h 44 min
